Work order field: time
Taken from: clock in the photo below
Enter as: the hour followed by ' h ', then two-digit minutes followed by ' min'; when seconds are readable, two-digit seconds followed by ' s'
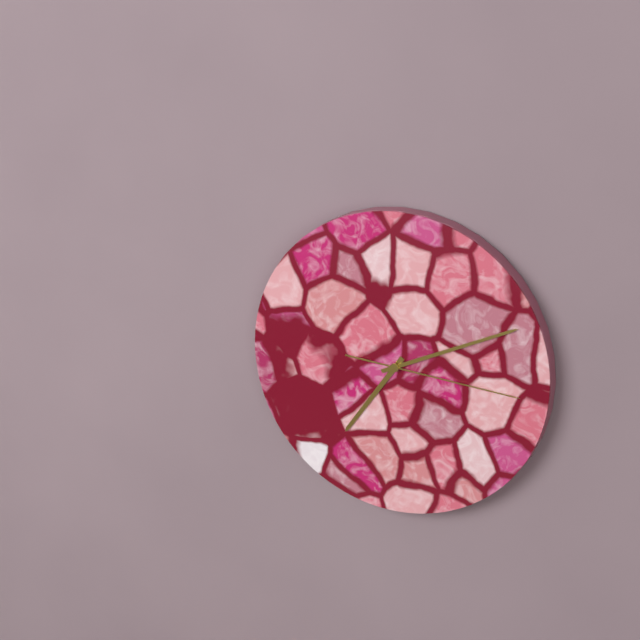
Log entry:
7 h 11 min 16 s
